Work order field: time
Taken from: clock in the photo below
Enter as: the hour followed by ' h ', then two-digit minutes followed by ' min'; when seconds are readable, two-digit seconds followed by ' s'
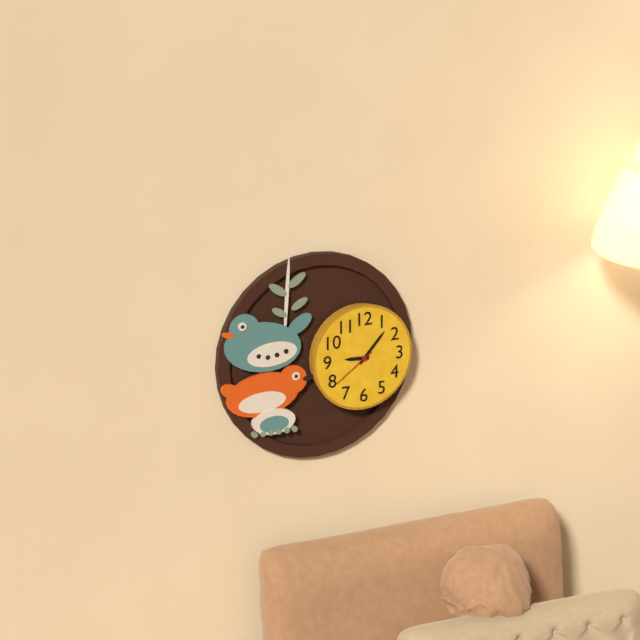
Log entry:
9 h 07 min
